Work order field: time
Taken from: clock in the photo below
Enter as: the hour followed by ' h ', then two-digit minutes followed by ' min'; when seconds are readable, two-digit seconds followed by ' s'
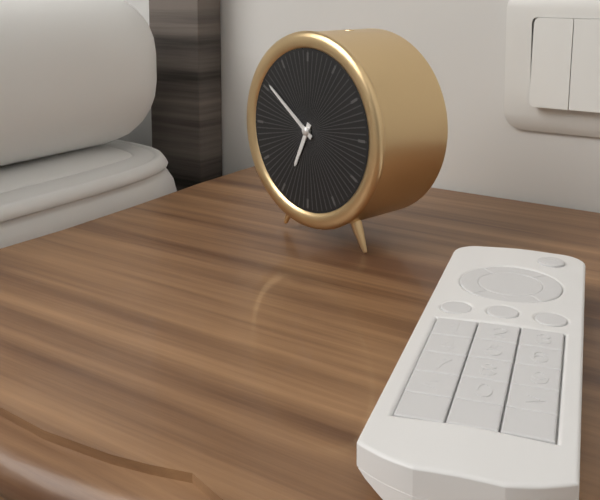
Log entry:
6 h 51 min
